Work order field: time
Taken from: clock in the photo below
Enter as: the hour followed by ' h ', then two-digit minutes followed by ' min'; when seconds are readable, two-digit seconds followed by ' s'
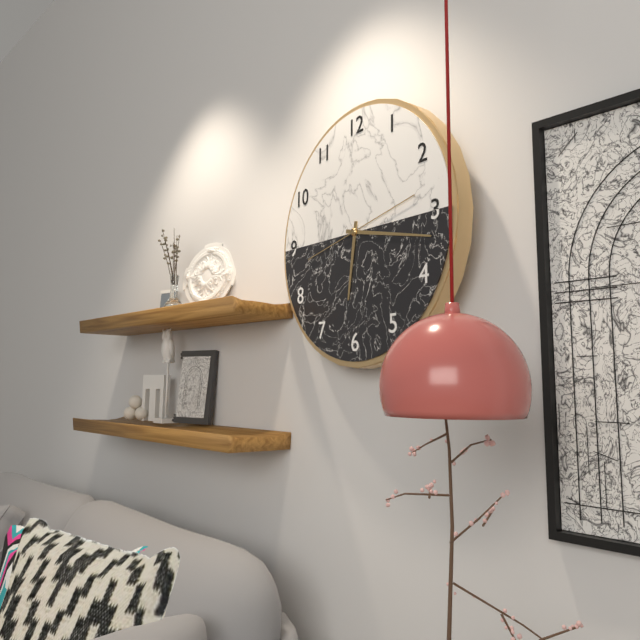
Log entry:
6 h 17 min 13 s
